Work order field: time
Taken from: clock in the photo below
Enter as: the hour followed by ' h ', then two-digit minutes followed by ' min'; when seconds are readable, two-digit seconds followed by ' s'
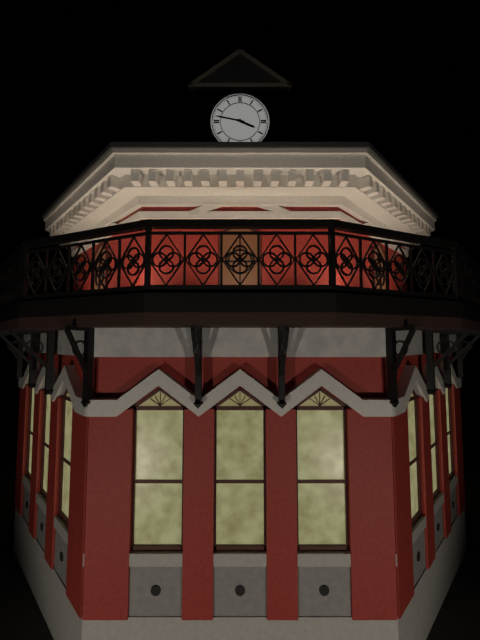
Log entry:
3 h 47 min
